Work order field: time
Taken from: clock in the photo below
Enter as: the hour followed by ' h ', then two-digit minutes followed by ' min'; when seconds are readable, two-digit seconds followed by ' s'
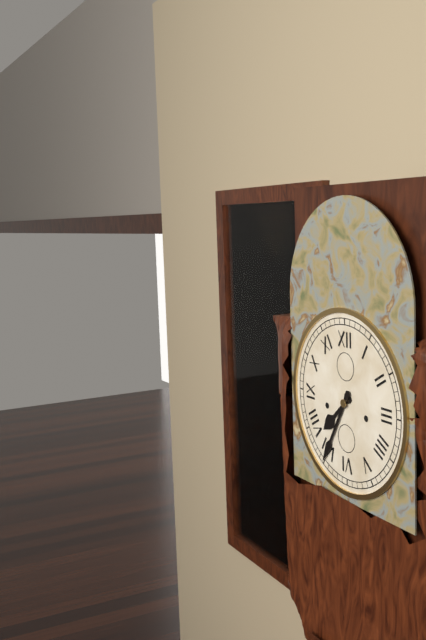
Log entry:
7 h 35 min
